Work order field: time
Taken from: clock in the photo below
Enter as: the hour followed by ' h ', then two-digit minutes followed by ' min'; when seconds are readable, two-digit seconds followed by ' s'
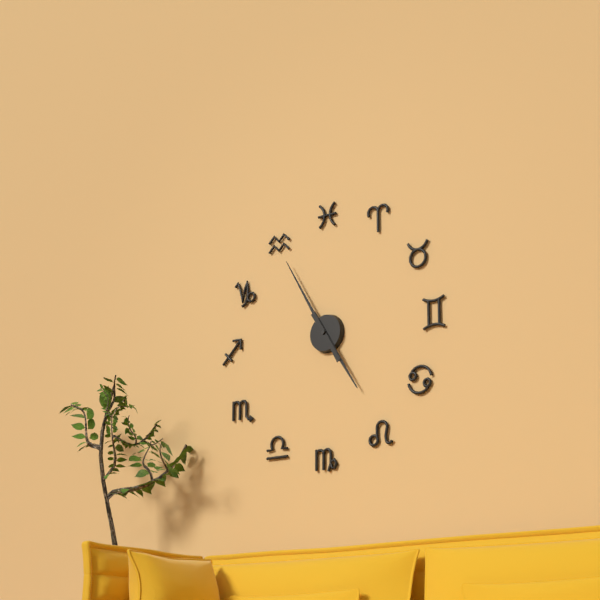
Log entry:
4 h 55 min
